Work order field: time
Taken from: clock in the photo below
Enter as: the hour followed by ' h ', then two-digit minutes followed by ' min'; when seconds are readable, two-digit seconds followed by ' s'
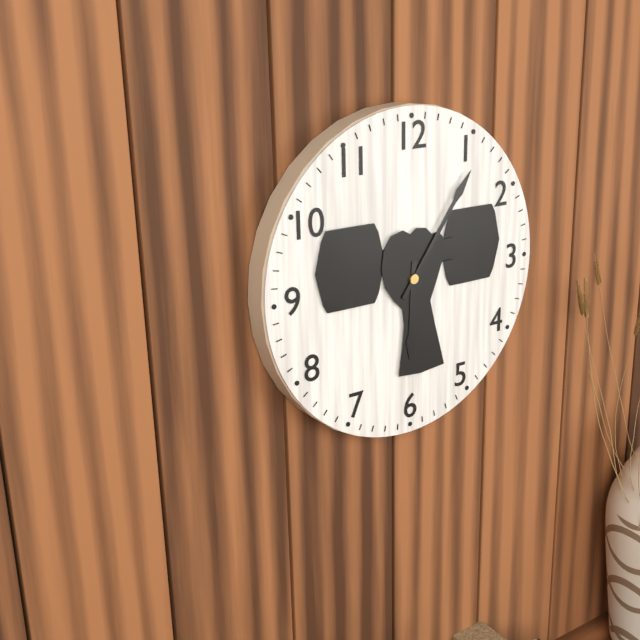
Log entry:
6 h 06 min
